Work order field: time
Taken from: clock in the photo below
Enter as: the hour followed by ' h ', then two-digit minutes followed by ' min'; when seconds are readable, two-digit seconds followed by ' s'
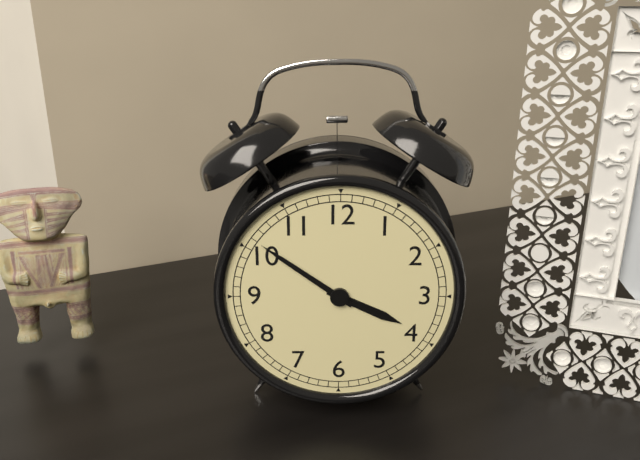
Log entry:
3 h 51 min
